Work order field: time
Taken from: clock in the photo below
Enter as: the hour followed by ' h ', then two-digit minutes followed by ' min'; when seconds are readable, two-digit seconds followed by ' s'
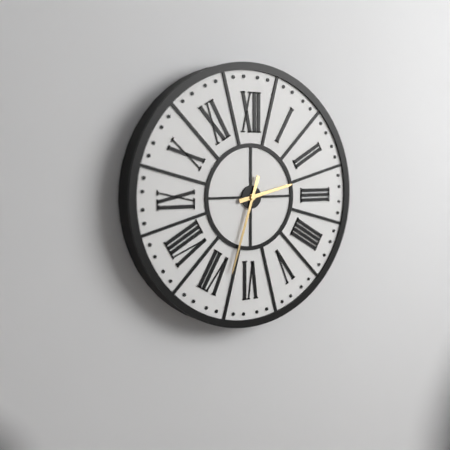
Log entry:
2 h 33 min
